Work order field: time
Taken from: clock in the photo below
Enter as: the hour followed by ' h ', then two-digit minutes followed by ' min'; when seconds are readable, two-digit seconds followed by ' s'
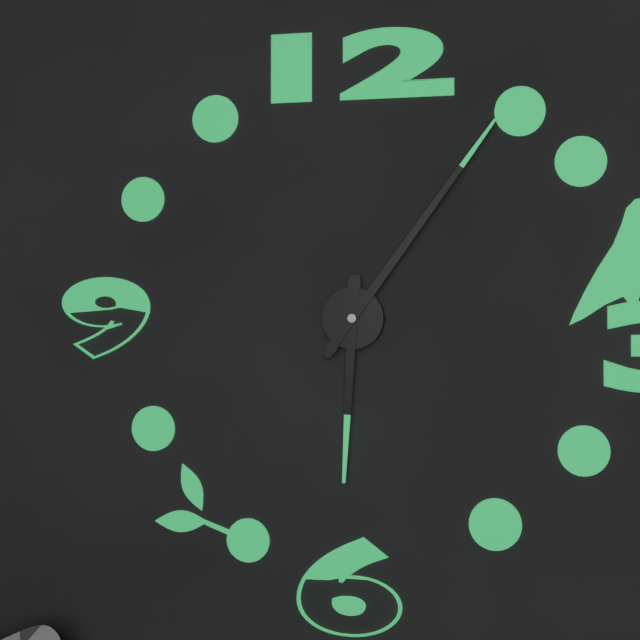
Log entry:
6 h 06 min
